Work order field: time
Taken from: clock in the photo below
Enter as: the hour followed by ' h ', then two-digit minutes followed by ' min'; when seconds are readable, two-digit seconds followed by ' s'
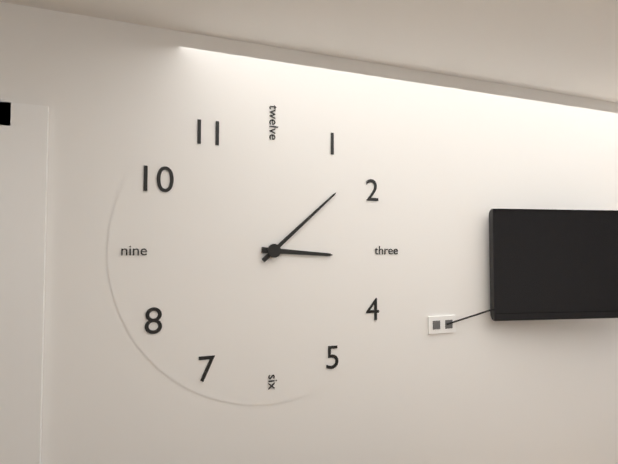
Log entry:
3 h 08 min
